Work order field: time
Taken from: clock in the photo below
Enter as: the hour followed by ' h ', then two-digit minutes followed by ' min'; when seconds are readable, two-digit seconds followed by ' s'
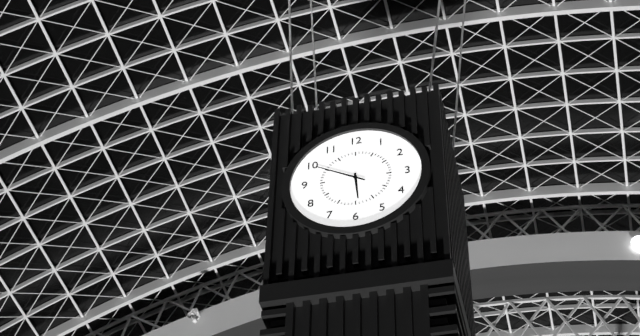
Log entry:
5 h 50 min
